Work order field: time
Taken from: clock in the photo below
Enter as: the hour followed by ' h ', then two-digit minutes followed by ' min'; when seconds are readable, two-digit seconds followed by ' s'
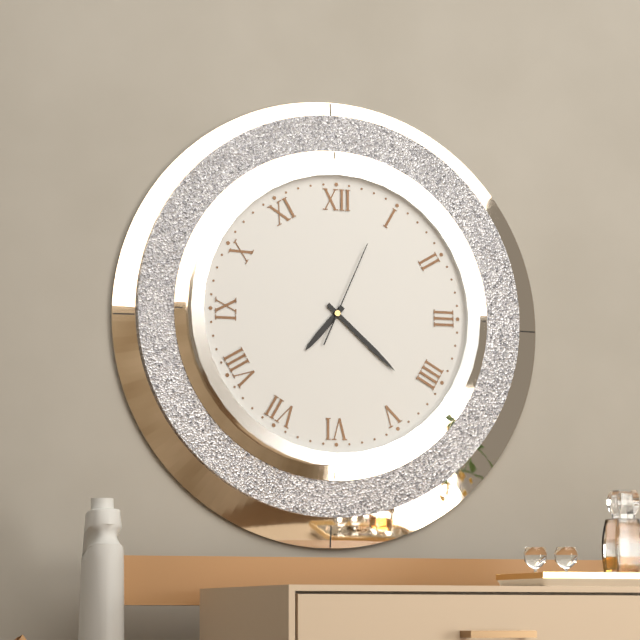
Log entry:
7 h 22 min 04 s
